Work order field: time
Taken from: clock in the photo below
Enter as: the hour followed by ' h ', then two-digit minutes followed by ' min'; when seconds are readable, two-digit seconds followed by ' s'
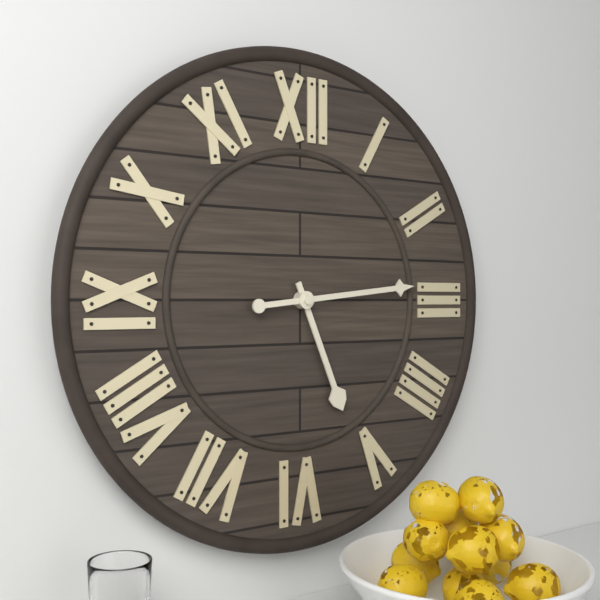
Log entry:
5 h 14 min
